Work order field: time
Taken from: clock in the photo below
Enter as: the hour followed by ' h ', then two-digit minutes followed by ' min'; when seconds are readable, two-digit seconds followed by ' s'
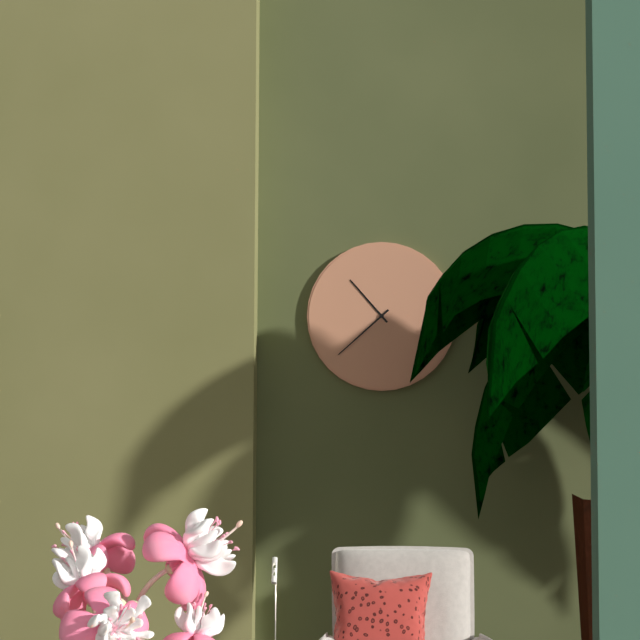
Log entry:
10 h 38 min
